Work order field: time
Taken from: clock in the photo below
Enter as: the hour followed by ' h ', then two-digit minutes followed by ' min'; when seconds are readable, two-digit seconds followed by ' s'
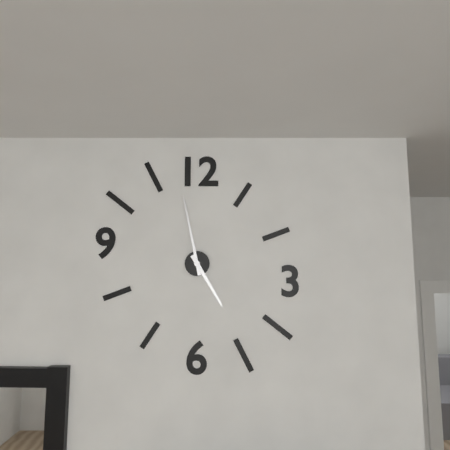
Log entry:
4 h 58 min
